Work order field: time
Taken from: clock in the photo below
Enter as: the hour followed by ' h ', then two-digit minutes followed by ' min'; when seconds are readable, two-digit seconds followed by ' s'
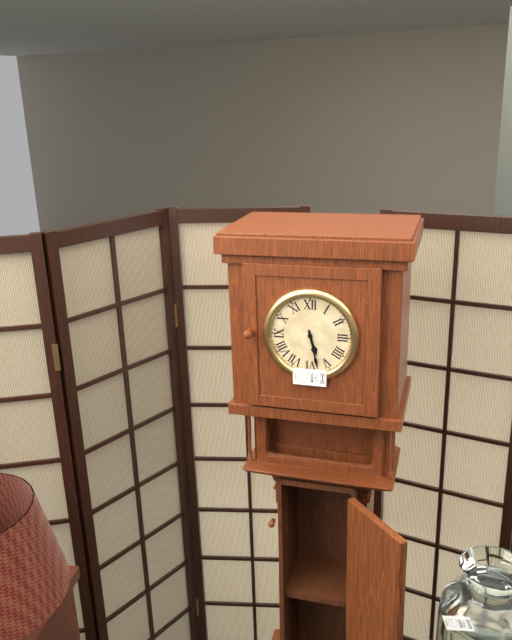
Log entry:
5 h 28 min
